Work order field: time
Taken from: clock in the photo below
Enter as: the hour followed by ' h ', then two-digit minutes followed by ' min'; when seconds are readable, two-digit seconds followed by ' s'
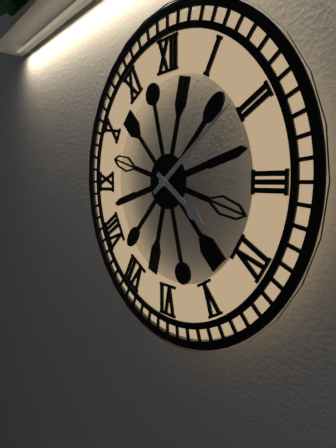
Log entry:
4 h 09 min
